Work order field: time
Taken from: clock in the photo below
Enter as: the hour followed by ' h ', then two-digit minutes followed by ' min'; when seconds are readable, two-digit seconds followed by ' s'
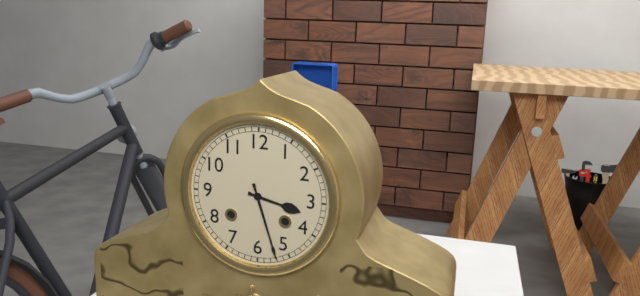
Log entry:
3 h 27 min
